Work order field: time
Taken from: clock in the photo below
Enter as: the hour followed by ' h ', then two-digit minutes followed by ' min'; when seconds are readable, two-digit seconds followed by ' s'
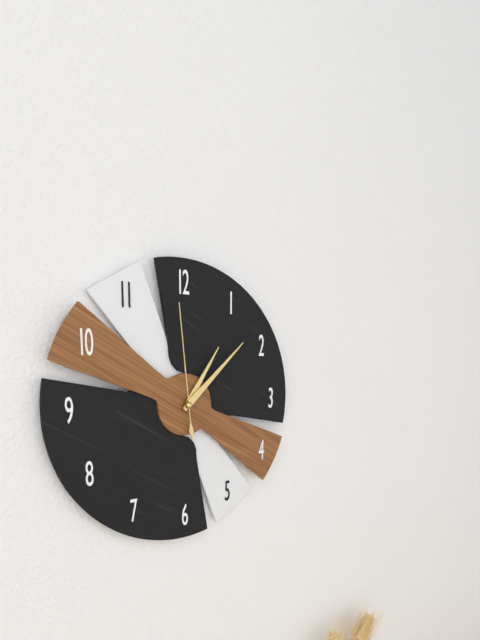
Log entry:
1 h 08 min 59 s
